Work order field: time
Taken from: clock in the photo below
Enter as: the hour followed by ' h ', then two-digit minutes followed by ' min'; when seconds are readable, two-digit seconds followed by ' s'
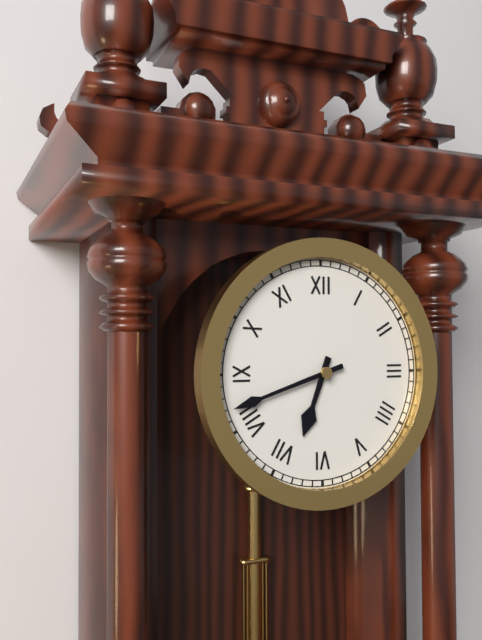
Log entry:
6 h 42 min
